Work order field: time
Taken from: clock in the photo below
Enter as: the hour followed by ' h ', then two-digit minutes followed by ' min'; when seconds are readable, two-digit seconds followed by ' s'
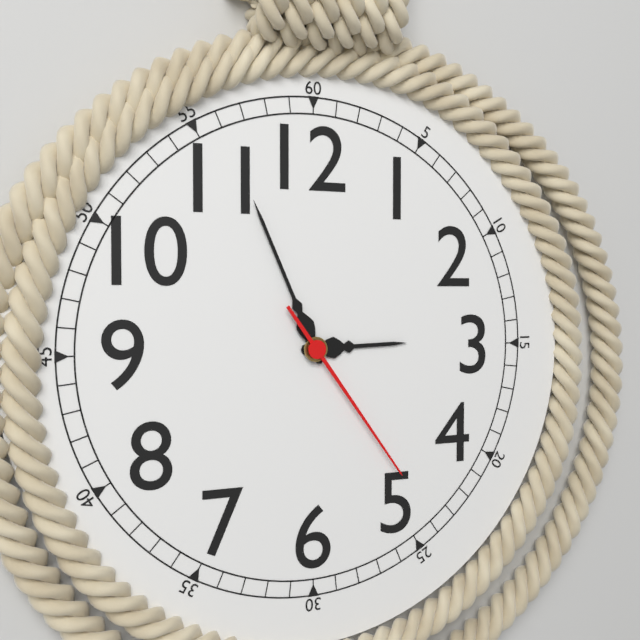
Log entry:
2 h 56 min 24 s
